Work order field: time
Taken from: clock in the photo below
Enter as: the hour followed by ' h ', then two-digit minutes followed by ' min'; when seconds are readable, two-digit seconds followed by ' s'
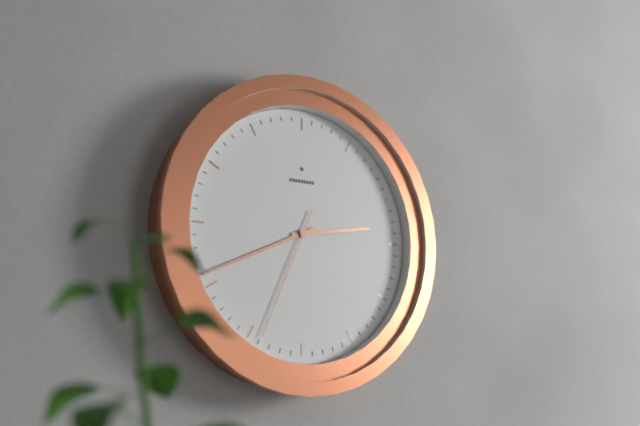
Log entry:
2 h 41 min 34 s
